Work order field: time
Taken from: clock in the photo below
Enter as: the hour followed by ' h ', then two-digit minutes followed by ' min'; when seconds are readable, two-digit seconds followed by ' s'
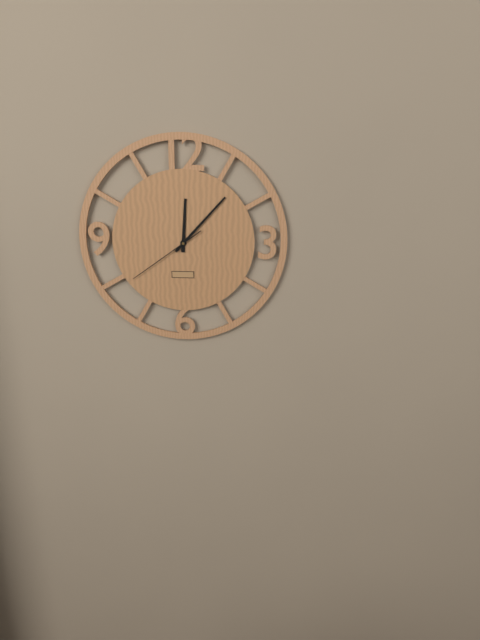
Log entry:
12 h 07 min 39 s
